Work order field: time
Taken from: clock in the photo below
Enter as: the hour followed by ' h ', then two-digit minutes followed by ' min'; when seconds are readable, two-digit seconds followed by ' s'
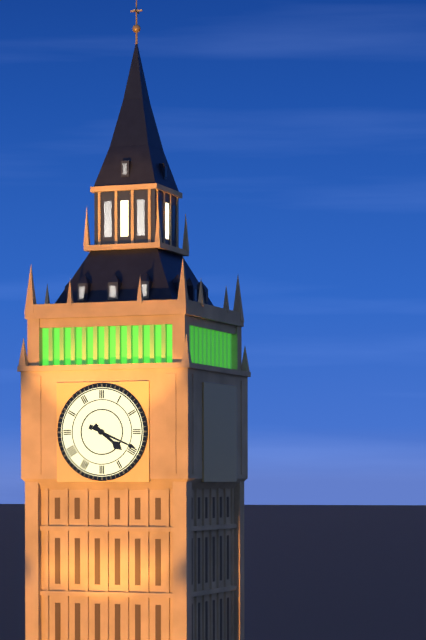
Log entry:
4 h 19 min
